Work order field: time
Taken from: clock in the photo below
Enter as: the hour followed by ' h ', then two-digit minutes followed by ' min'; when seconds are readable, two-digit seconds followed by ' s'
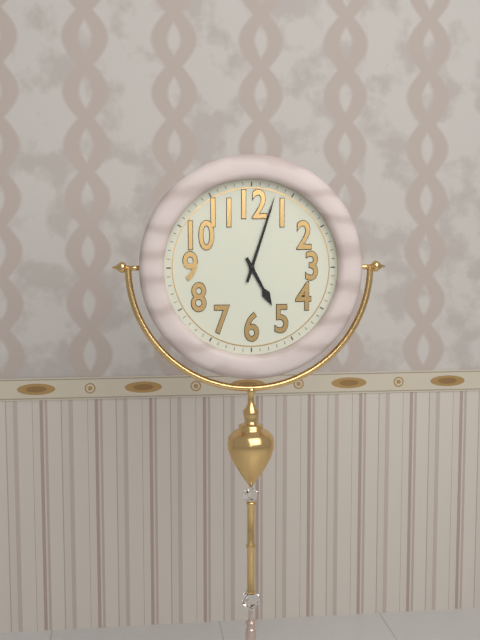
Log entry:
5 h 03 min
